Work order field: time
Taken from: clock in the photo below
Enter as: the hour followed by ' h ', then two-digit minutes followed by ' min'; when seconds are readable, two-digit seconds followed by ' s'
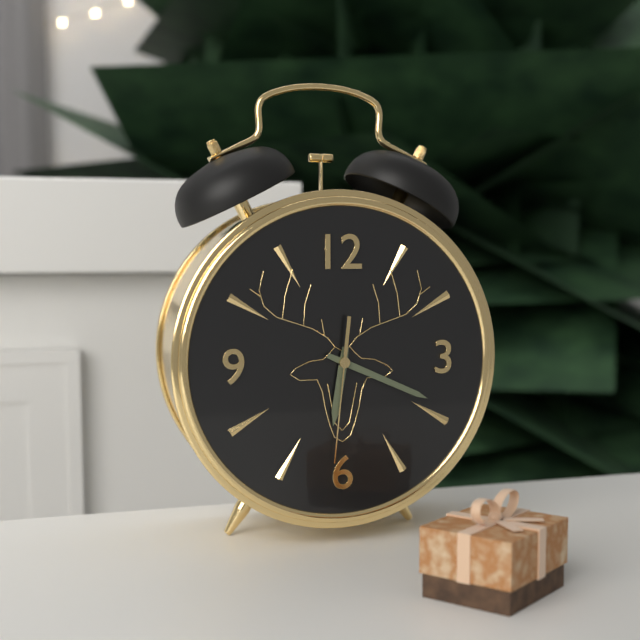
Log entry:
6 h 19 min 31 s
